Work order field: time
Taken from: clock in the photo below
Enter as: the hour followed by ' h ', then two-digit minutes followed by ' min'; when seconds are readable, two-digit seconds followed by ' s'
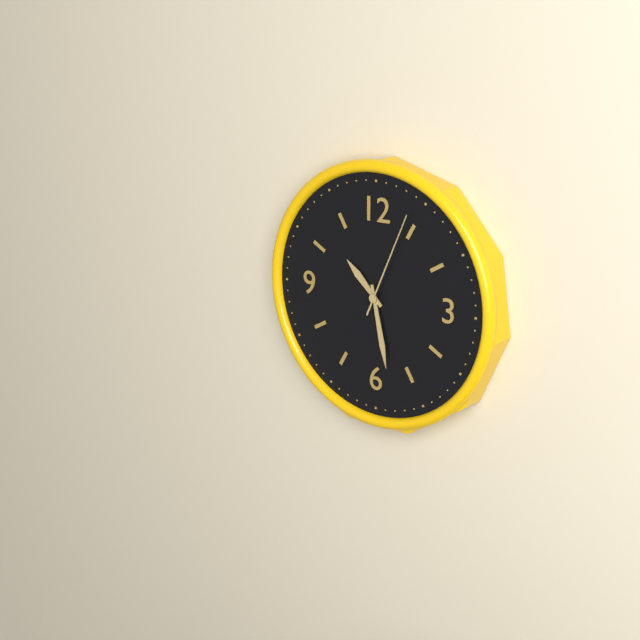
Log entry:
10 h 28 min 04 s
